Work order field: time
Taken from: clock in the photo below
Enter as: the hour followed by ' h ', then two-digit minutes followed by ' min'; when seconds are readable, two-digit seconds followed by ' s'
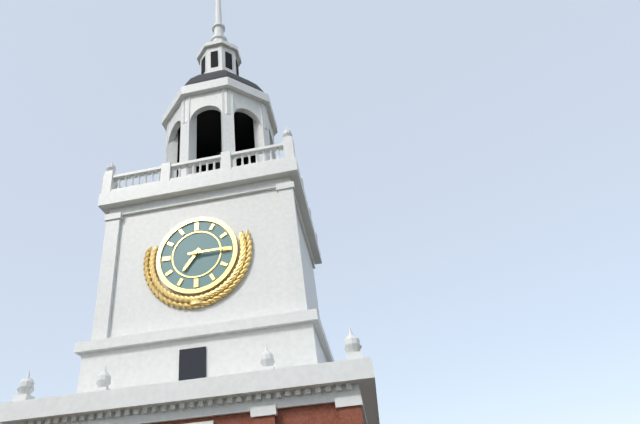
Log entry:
7 h 15 min
